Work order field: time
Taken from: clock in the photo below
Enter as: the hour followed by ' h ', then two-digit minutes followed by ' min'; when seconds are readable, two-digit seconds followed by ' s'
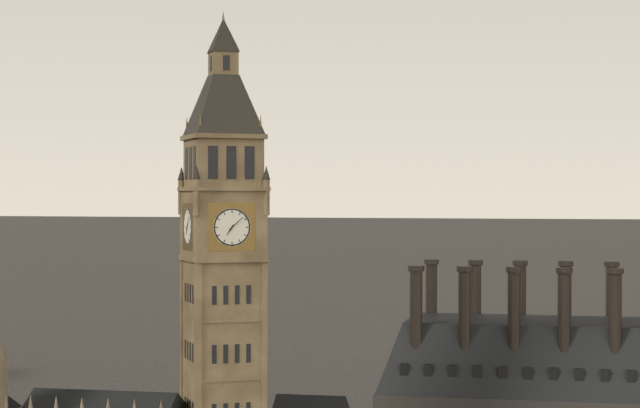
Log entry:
7 h 08 min
